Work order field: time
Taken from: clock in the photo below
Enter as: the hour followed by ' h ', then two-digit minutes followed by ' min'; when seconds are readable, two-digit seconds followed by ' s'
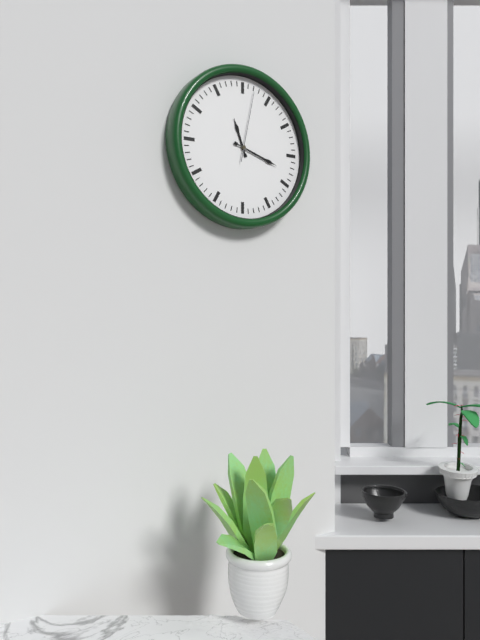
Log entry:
11 h 18 min 02 s
